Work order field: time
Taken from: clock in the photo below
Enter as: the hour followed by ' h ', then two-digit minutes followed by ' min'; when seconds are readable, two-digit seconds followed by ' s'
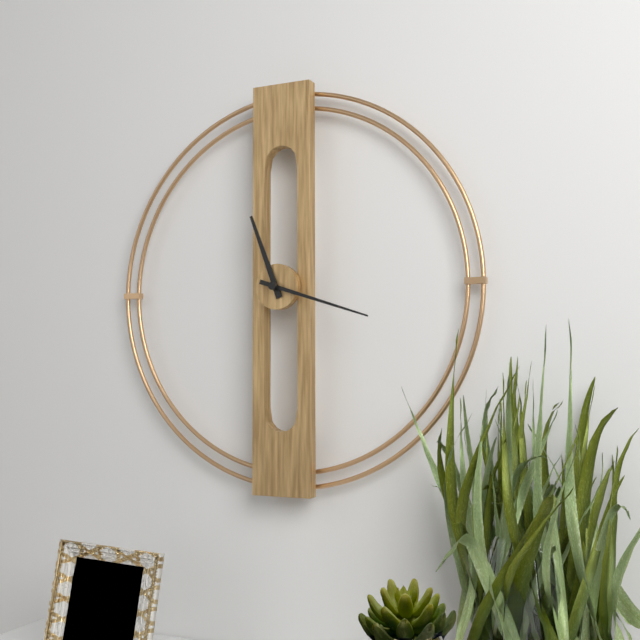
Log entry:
11 h 18 min
